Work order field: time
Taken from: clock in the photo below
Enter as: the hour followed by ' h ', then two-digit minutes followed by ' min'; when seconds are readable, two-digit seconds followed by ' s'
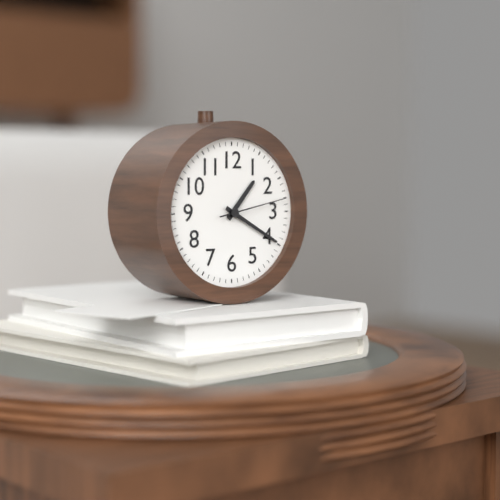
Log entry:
1 h 20 min 13 s
